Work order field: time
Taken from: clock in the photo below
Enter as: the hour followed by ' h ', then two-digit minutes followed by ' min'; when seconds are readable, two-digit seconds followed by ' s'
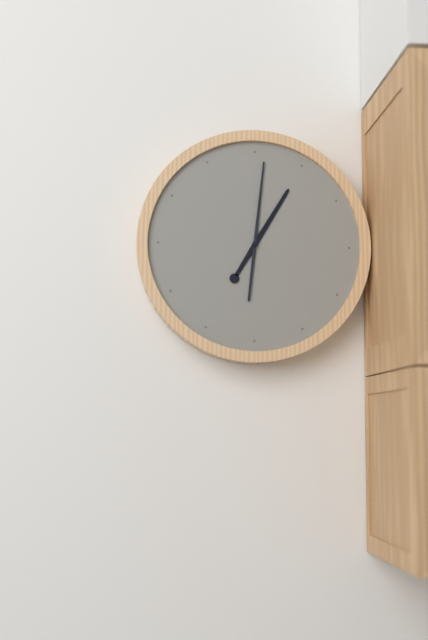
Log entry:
1 h 01 min
